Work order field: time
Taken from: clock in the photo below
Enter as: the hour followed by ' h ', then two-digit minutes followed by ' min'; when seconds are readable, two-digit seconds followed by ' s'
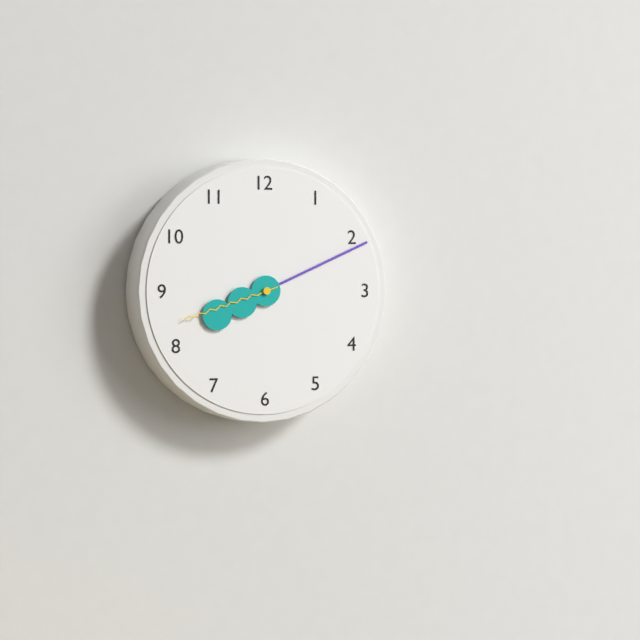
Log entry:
8 h 11 min 42 s
